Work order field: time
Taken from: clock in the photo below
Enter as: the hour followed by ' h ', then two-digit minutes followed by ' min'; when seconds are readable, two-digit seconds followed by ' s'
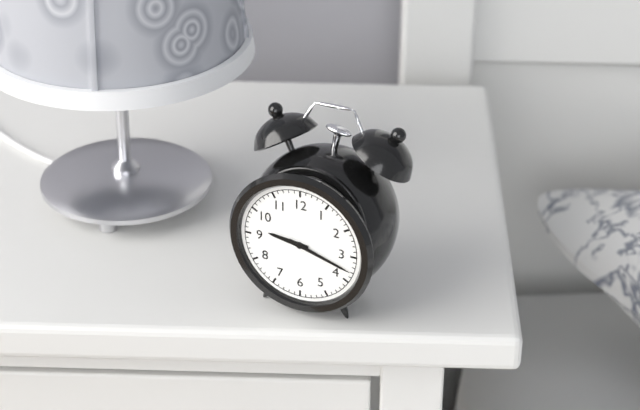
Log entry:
9 h 18 min
